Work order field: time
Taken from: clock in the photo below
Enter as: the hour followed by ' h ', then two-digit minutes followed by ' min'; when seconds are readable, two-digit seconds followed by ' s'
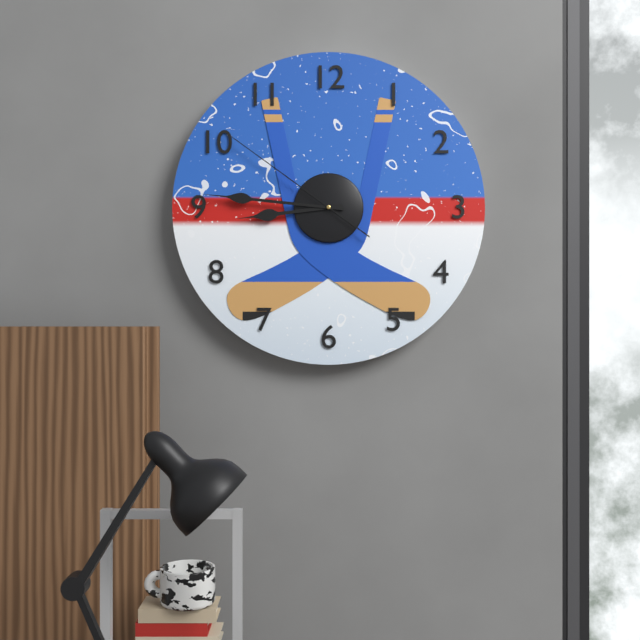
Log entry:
8 h 46 min 51 s
